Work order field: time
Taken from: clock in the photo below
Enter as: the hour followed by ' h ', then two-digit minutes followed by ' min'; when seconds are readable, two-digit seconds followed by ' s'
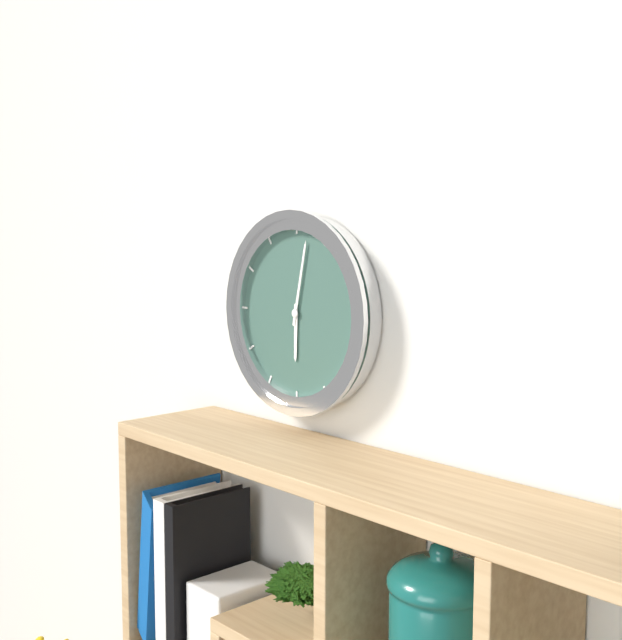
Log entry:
6 h 02 min
